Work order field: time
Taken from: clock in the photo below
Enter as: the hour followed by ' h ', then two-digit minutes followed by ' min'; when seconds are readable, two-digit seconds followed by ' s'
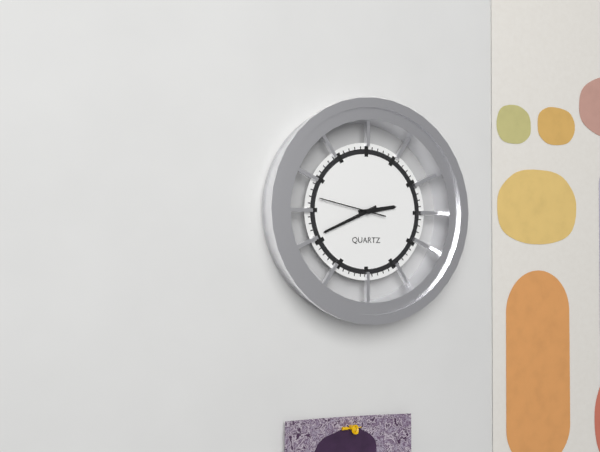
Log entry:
2 h 41 min 47 s
